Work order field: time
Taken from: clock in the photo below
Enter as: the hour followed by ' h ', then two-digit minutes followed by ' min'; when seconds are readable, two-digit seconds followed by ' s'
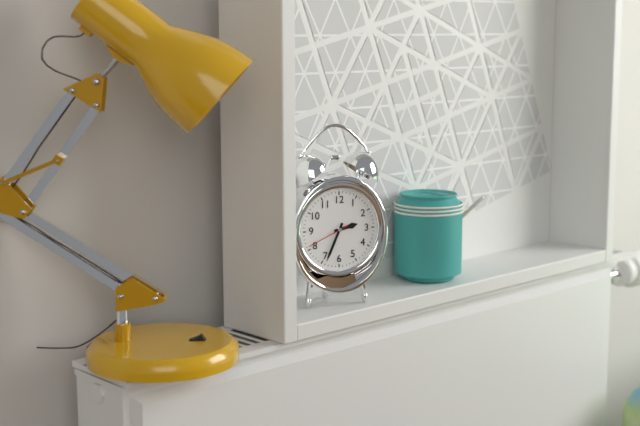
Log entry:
2 h 34 min
